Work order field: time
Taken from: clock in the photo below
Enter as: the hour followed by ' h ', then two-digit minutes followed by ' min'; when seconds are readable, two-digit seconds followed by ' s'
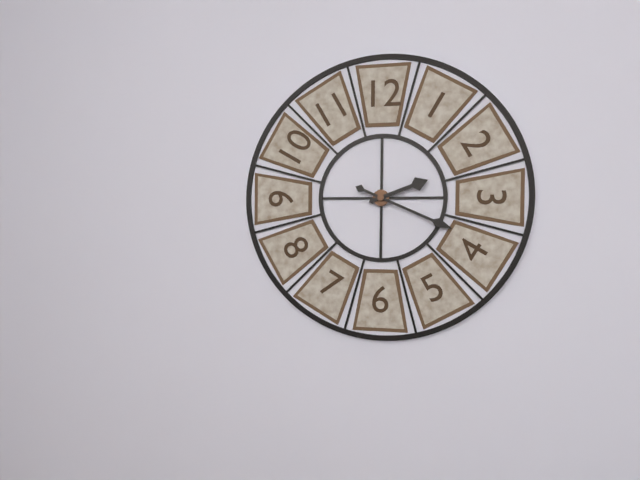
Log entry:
2 h 19 min
